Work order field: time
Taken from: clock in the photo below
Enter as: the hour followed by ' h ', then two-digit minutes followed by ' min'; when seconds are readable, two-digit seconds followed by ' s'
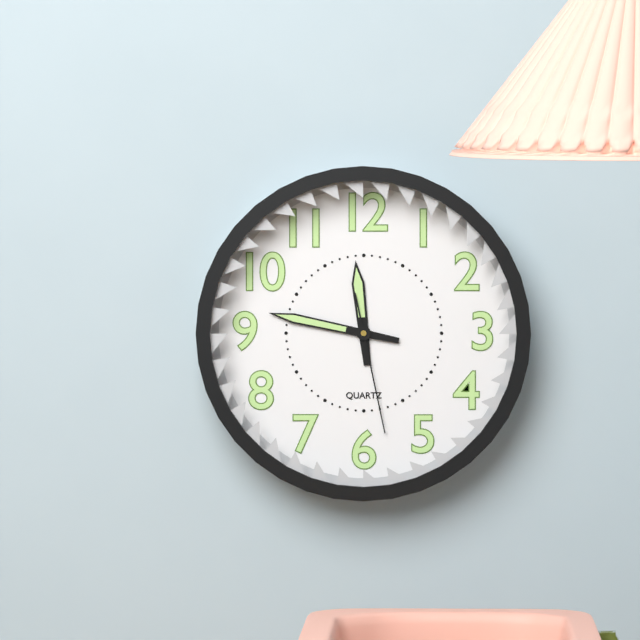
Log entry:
11 h 47 min 28 s
